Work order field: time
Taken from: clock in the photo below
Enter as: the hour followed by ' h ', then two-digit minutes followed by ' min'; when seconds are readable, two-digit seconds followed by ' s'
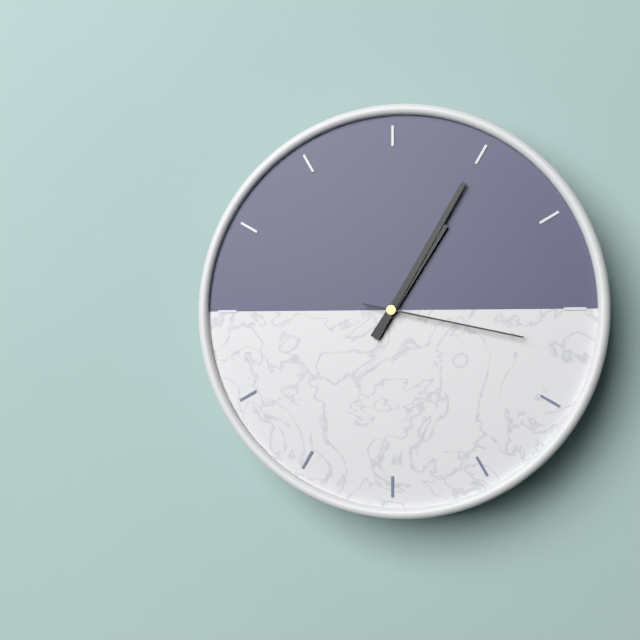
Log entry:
1 h 05 min 17 s
